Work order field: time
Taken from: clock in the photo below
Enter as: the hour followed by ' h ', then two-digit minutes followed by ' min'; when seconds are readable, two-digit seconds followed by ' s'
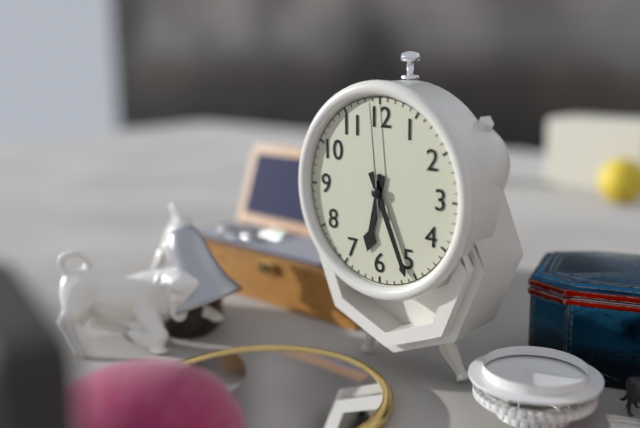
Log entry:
6 h 26 min 59 s
